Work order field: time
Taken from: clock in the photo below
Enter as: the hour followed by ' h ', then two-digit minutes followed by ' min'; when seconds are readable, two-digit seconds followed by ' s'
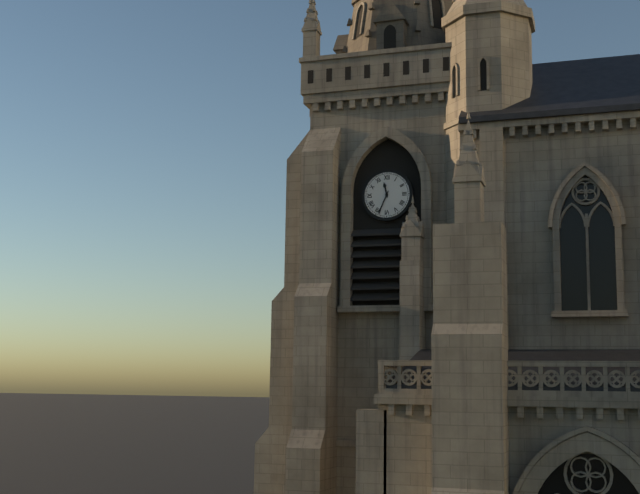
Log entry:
11 h 34 min
